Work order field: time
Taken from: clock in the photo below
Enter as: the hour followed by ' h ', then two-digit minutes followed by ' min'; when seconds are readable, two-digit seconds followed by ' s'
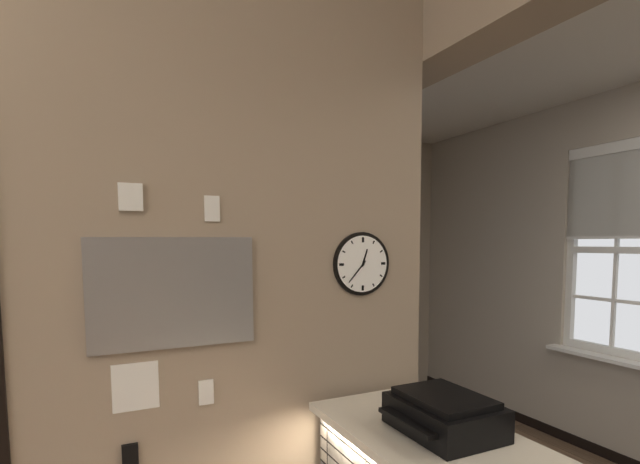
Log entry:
12 h 37 min
